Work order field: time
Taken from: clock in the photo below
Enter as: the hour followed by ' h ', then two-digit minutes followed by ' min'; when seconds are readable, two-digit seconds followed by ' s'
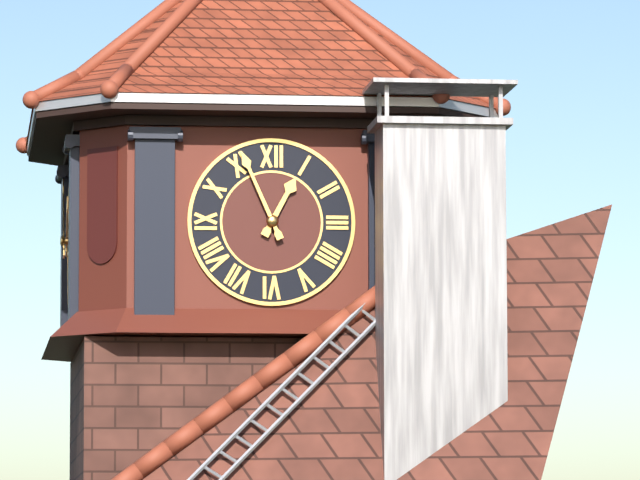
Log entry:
12 h 56 min
